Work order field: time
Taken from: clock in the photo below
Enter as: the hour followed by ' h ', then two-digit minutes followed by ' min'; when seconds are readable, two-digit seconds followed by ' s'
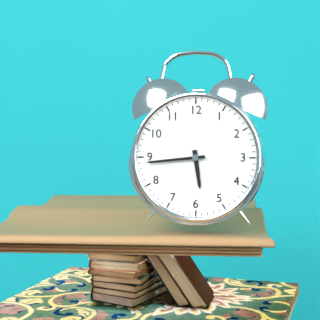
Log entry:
5 h 44 min
